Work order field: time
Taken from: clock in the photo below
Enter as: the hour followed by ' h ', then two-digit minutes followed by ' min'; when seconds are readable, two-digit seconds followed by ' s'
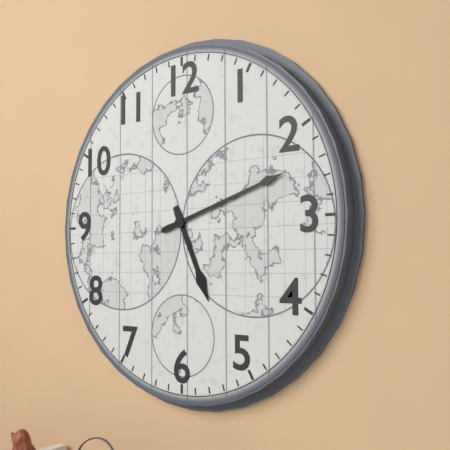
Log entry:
5 h 12 min
